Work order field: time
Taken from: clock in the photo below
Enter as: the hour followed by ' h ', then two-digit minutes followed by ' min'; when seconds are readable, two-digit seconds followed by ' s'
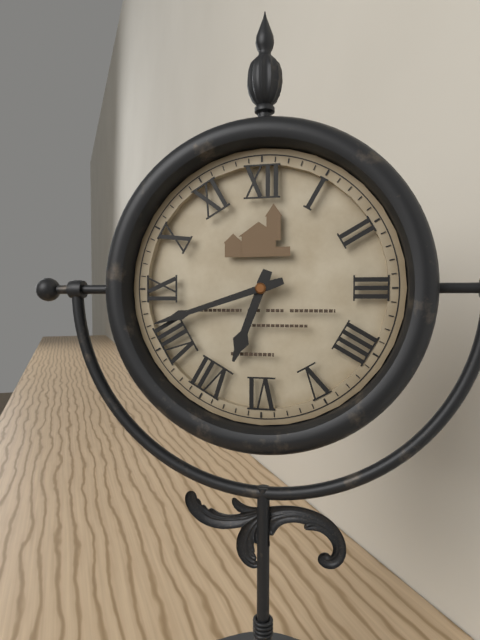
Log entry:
6 h 42 min
